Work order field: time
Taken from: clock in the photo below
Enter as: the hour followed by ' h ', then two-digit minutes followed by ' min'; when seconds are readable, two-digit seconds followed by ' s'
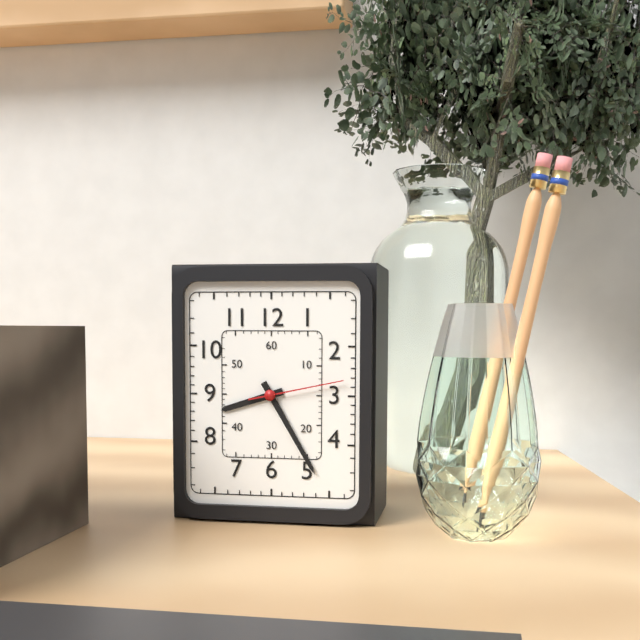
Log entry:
8 h 25 min 13 s
